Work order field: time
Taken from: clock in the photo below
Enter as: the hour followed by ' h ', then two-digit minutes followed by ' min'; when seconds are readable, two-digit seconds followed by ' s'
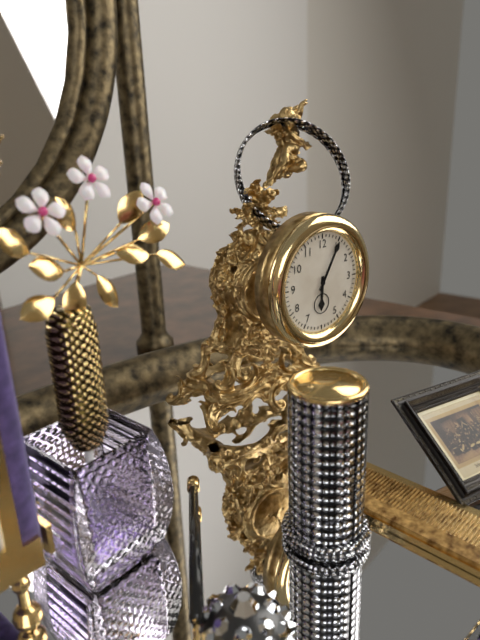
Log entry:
6 h 05 min
